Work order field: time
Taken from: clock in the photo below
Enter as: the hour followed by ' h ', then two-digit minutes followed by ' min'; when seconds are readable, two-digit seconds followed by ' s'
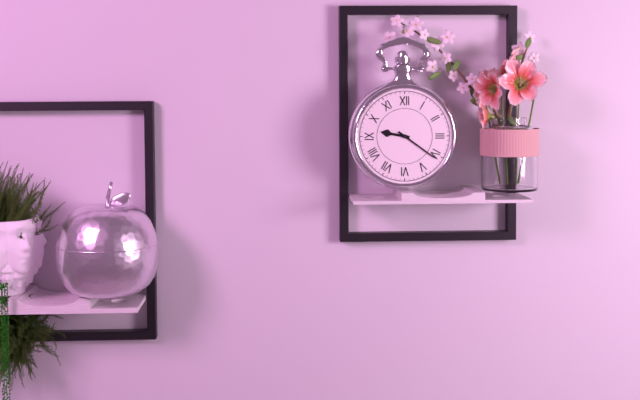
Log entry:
9 h 21 min
